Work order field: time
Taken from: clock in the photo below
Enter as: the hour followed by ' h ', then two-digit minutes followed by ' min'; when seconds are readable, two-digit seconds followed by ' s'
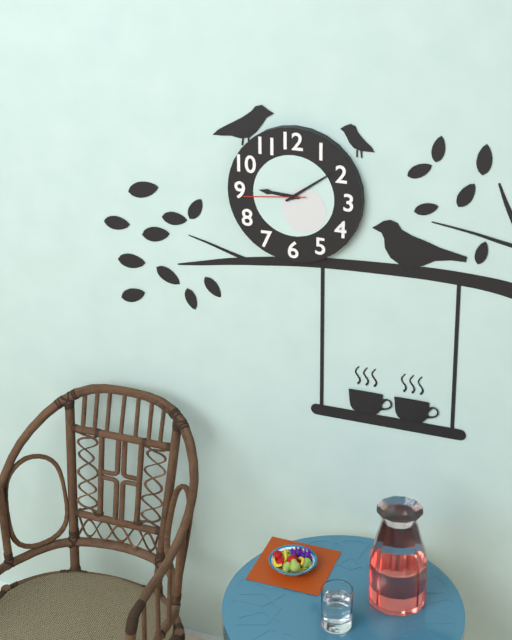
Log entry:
9 h 09 min 44 s
